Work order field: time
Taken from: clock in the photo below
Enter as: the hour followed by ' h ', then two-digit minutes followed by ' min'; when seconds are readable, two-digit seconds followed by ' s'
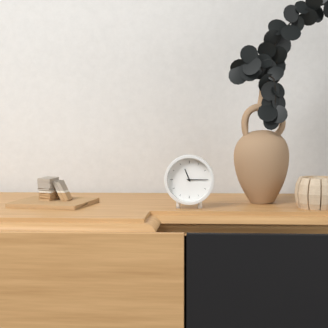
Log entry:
11 h 15 min
